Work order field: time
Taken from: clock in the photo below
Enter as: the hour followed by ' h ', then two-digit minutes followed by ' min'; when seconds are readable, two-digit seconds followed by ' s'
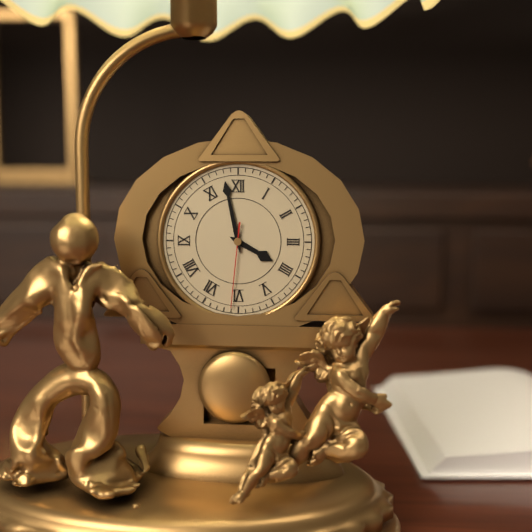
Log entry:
3 h 58 min 31 s
